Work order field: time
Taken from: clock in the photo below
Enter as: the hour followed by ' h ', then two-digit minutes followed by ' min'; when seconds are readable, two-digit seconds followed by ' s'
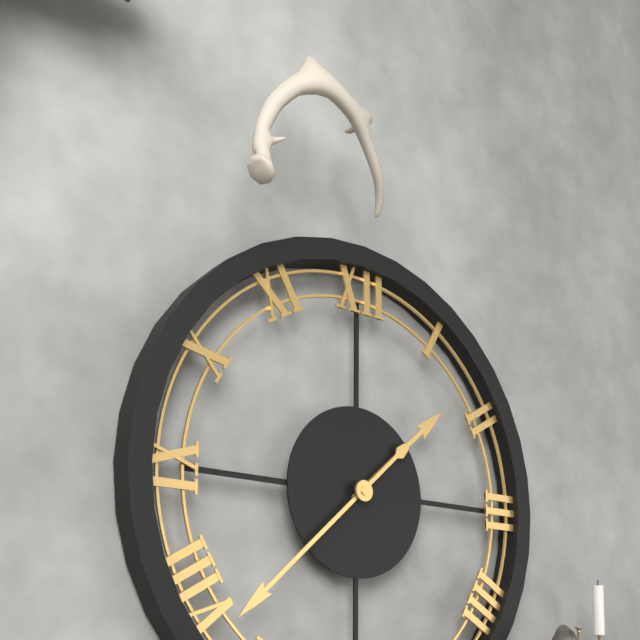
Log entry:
1 h 38 min
